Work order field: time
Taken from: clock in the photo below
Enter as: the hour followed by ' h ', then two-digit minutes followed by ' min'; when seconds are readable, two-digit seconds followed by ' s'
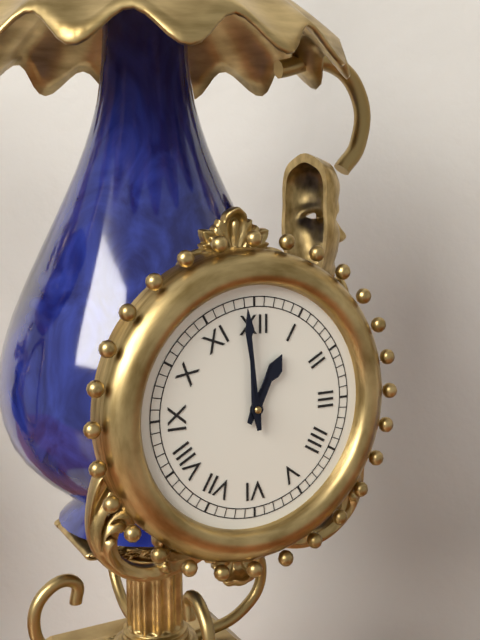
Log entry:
12 h 59 min
